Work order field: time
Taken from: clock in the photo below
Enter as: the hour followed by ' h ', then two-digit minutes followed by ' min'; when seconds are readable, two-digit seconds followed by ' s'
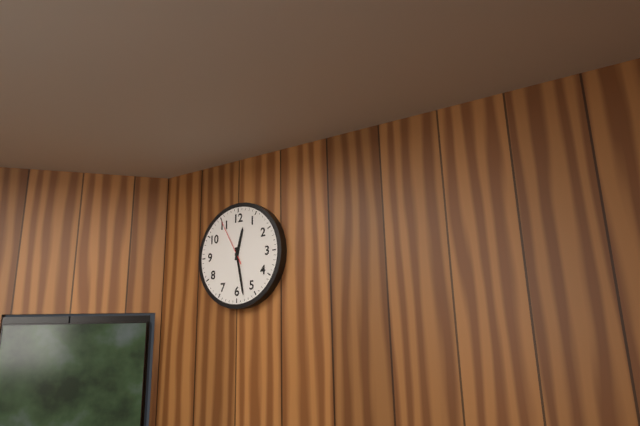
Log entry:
12 h 28 min 55 s
